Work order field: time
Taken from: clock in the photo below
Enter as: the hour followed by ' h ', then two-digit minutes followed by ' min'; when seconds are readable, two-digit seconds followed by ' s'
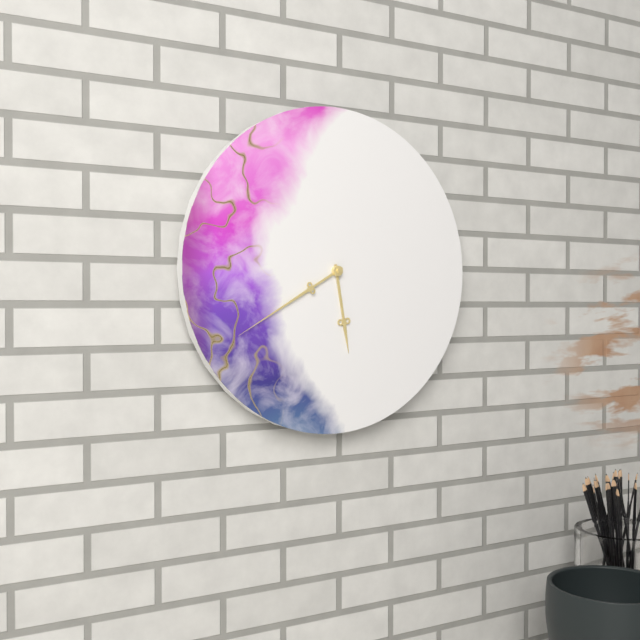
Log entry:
5 h 40 min
